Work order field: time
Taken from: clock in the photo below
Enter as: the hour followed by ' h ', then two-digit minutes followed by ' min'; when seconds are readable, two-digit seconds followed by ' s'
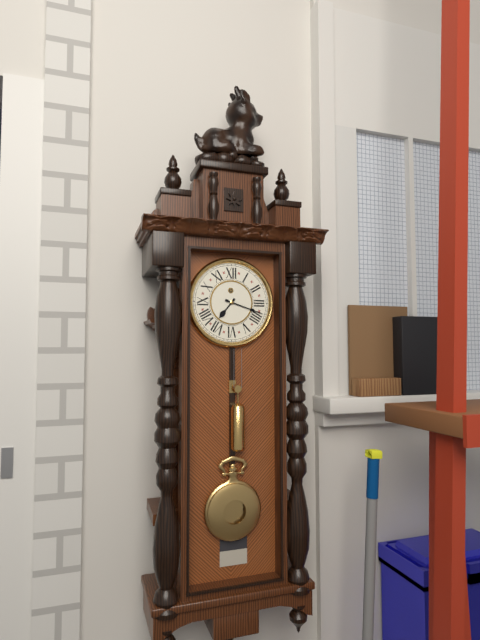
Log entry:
7 h 18 min
